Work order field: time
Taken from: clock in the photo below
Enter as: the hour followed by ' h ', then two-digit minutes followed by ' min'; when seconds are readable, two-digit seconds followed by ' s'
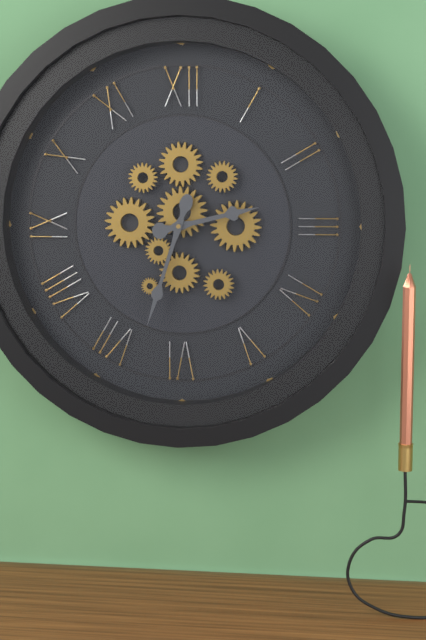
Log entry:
2 h 33 min
